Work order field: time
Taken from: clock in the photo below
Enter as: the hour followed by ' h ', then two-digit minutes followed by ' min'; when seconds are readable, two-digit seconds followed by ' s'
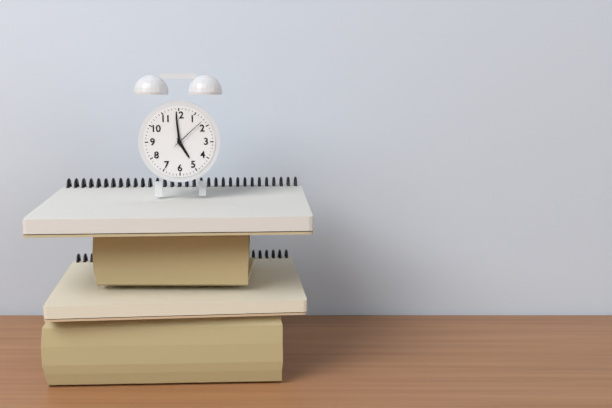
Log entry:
4 h 59 min
